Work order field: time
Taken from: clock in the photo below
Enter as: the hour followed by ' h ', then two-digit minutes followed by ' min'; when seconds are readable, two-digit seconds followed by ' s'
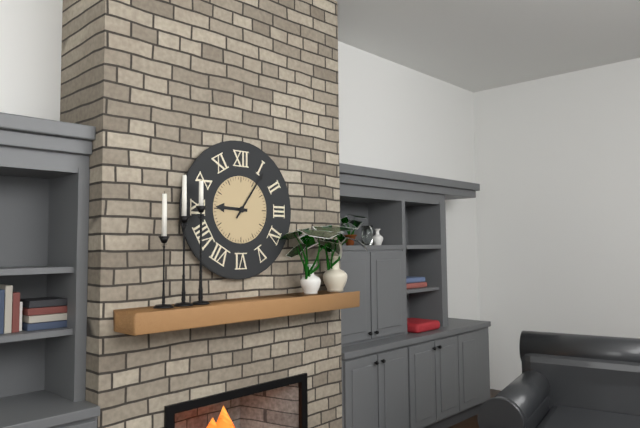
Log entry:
9 h 06 min
